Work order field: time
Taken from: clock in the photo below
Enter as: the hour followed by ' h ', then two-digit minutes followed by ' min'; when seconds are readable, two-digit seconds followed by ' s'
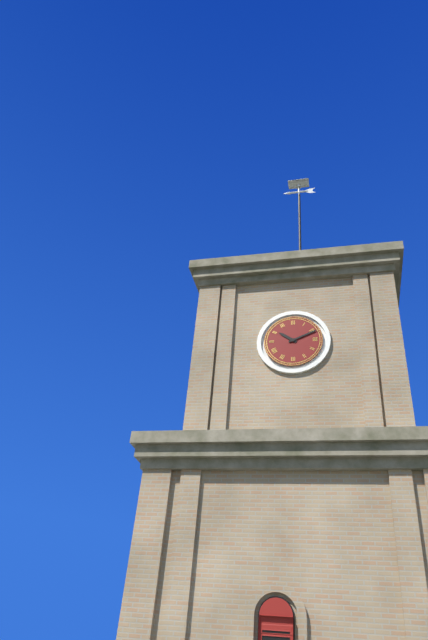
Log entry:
10 h 11 min
